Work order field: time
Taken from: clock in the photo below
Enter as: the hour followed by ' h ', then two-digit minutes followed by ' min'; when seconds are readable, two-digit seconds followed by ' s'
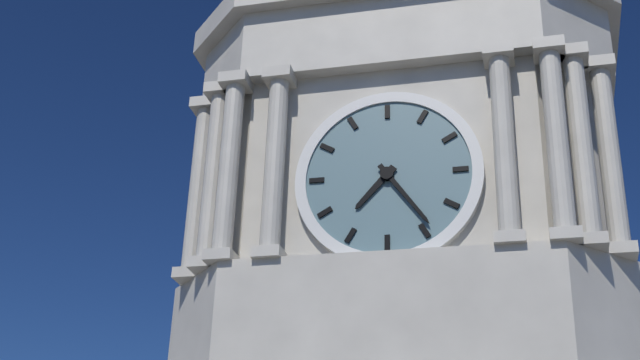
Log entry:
7 h 24 min
